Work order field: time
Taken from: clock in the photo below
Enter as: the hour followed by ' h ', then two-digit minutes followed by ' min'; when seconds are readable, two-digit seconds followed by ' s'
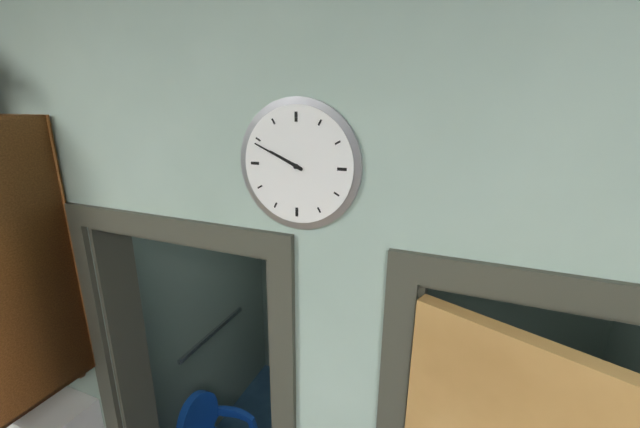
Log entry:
9 h 49 min
